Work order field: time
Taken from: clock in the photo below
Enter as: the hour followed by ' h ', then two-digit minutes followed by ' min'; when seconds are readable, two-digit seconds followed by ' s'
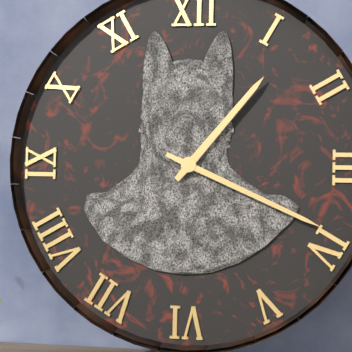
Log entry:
1 h 19 min
